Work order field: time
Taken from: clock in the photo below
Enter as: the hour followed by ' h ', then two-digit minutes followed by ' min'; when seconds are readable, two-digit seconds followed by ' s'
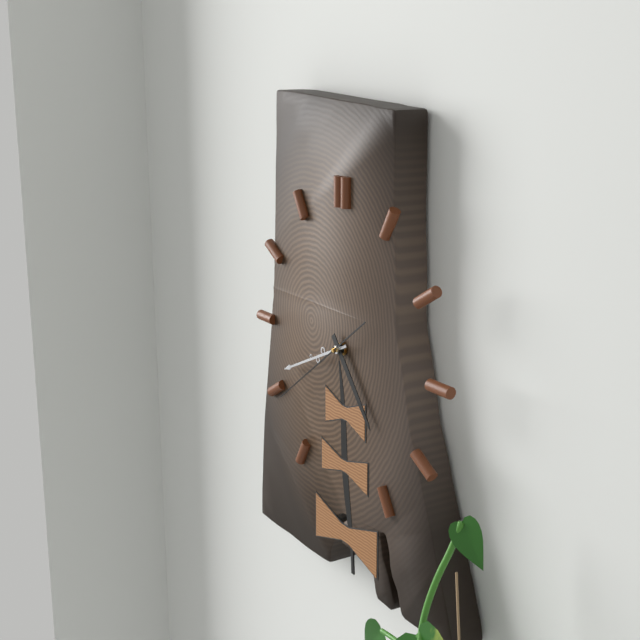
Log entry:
4 h 41 min 39 s
